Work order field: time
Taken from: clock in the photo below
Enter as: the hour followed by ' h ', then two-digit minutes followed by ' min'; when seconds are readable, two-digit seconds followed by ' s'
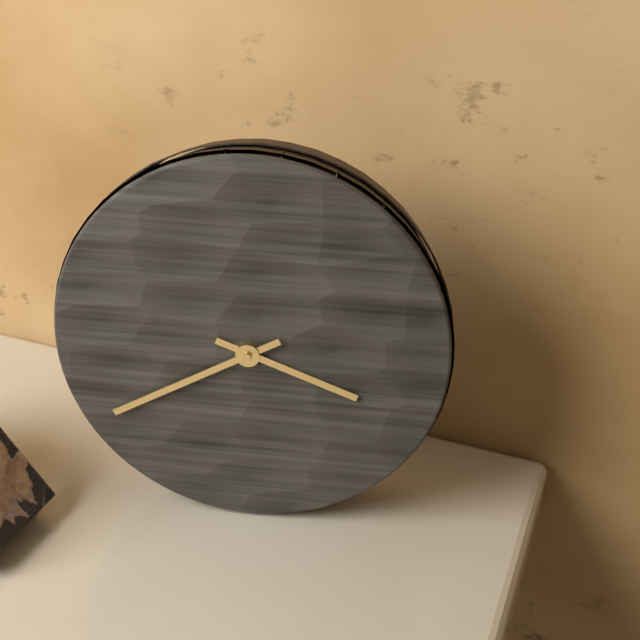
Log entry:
3 h 40 min
